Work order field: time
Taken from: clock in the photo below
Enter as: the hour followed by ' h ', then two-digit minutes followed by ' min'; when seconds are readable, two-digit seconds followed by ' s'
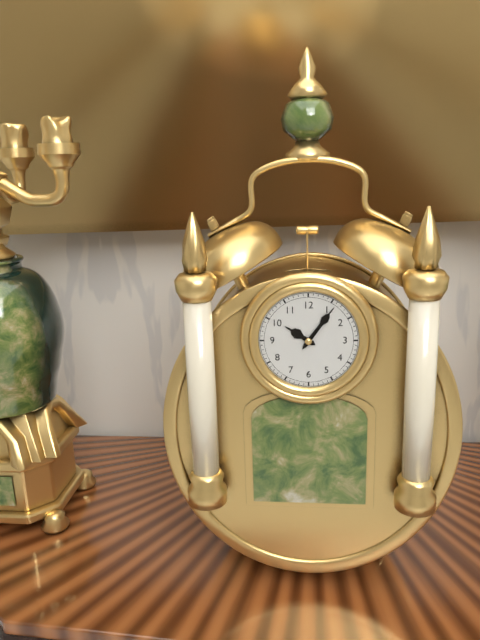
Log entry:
10 h 06 min
